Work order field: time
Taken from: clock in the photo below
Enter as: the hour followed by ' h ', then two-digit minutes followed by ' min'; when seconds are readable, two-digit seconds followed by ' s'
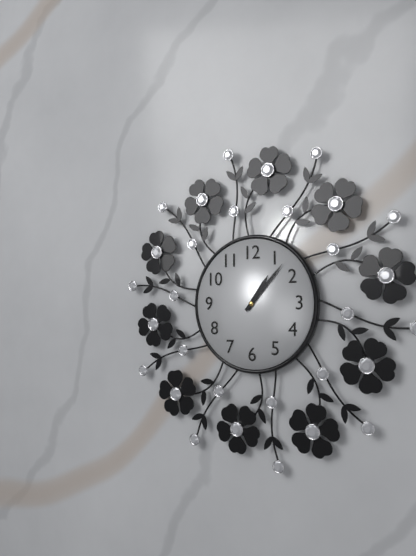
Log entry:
1 h 07 min
